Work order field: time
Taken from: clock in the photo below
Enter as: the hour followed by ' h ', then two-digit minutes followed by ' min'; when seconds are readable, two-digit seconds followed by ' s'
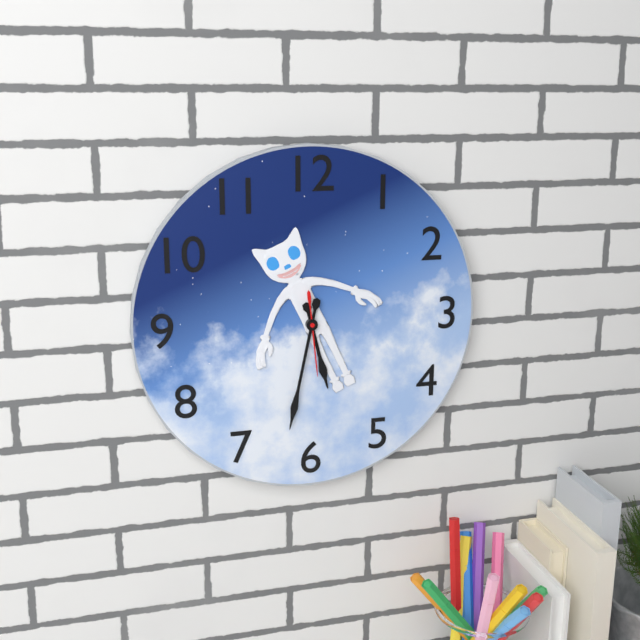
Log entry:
5 h 32 min 29 s
